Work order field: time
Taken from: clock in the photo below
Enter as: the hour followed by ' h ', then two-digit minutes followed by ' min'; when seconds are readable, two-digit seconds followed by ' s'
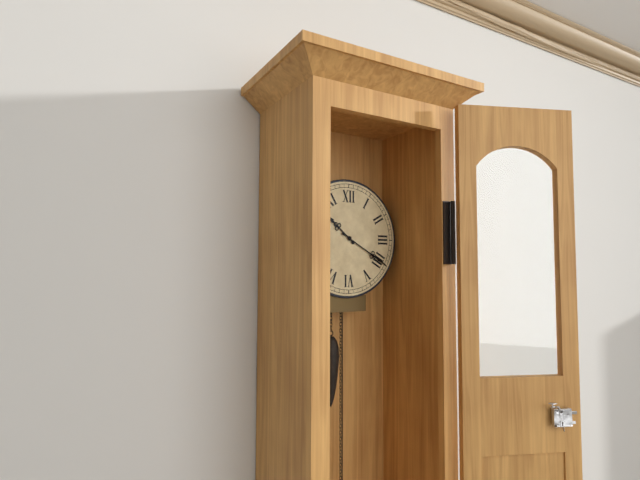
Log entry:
10 h 20 min
